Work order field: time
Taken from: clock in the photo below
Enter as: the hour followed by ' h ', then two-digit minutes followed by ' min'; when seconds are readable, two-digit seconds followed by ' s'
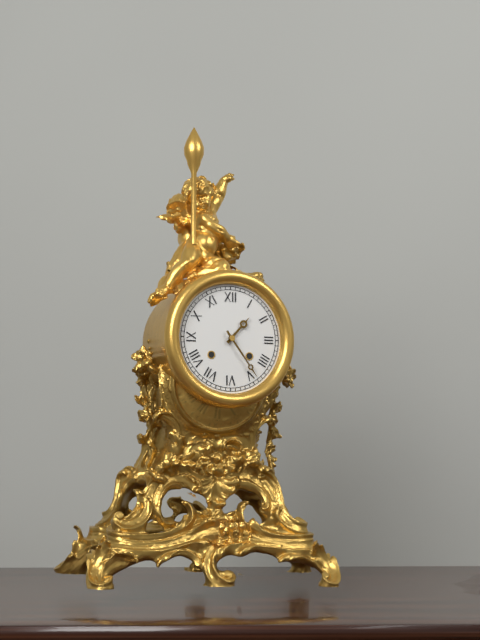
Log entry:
1 h 24 min
